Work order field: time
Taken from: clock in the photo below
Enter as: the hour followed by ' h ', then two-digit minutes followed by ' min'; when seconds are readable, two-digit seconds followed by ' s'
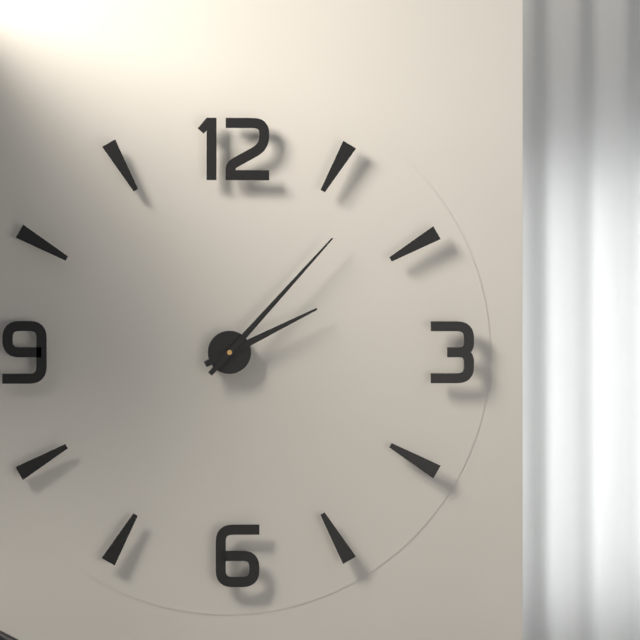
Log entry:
2 h 07 min
